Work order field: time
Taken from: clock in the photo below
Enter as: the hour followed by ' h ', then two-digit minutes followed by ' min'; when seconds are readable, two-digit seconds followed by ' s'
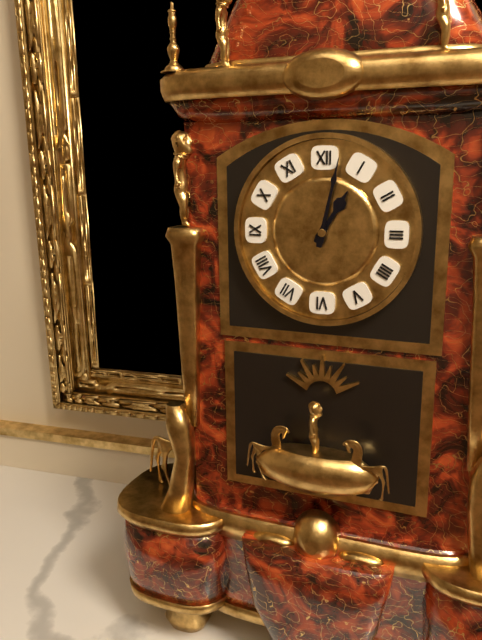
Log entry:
1 h 02 min
